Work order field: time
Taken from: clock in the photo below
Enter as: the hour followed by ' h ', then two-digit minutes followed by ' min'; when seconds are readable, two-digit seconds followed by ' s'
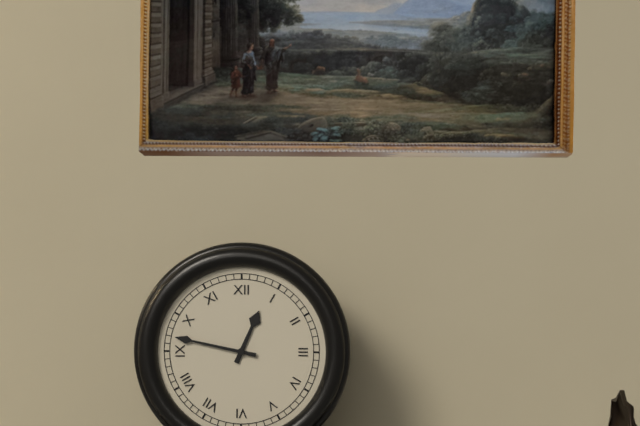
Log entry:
12 h 47 min
